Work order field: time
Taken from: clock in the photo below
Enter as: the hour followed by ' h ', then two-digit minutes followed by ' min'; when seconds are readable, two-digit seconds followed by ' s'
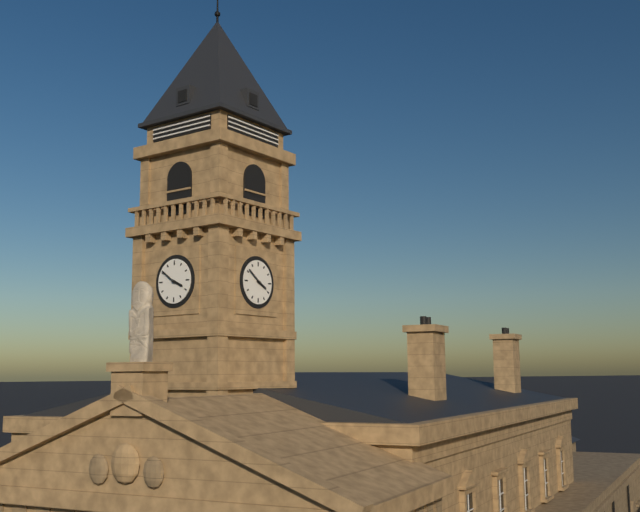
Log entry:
3 h 51 min
